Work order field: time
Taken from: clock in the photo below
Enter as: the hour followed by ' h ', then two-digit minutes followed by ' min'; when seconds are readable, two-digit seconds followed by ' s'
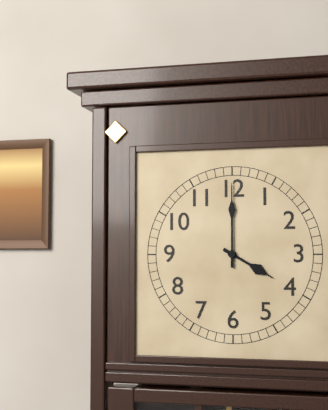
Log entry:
4 h 00 min
